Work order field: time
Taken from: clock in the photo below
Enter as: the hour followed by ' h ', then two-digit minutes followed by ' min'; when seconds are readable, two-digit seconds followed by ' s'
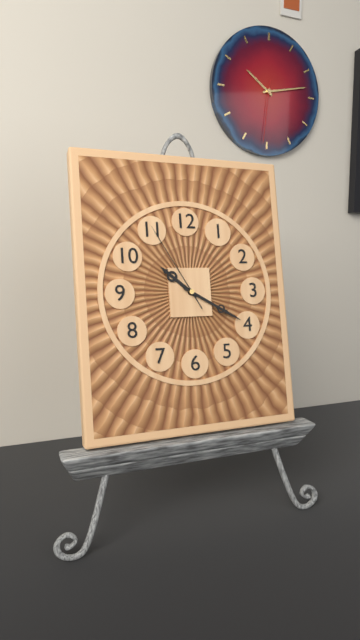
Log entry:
10 h 20 min 55 s
